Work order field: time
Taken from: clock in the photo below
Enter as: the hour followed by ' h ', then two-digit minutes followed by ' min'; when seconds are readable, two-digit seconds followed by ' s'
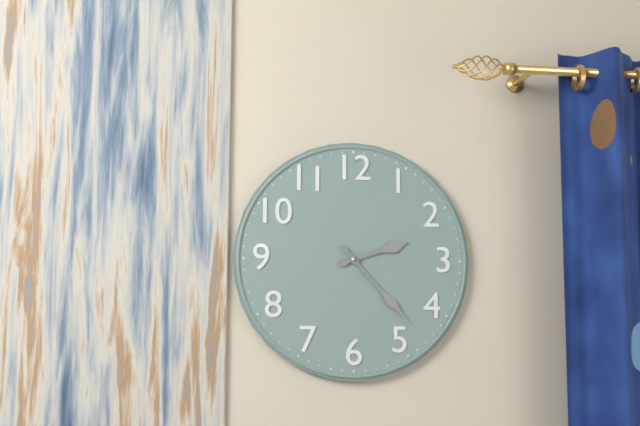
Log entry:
2 h 23 min
